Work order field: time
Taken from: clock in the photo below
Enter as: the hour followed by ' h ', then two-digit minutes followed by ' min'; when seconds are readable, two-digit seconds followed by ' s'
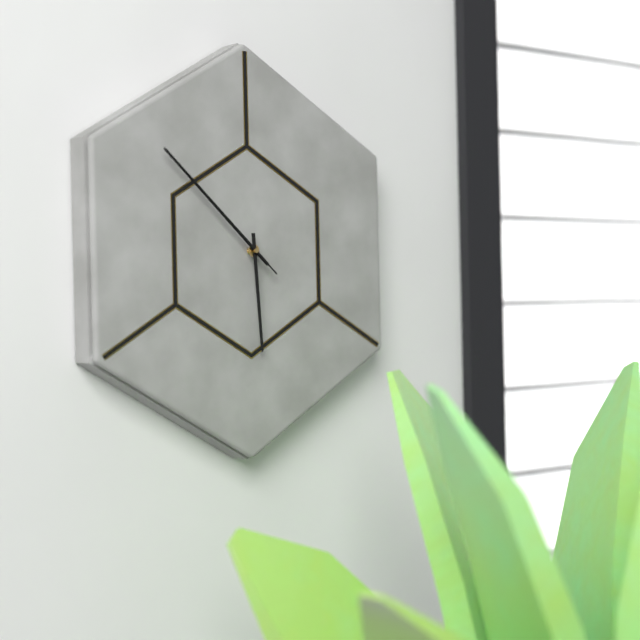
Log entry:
5 h 52 min 52 s
